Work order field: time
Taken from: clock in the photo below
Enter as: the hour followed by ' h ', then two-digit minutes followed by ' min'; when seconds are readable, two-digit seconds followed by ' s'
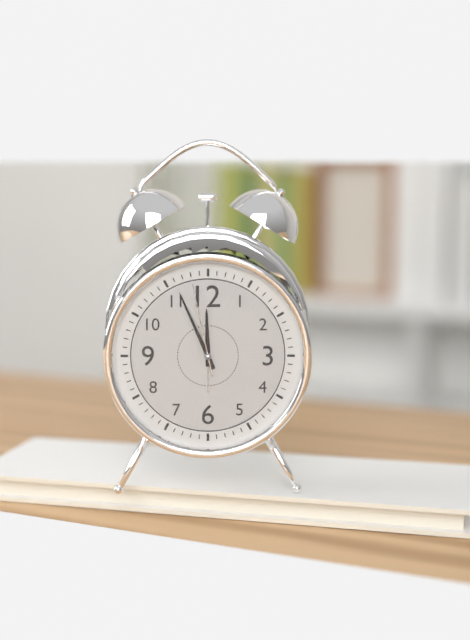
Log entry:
11 h 56 min 58 s
